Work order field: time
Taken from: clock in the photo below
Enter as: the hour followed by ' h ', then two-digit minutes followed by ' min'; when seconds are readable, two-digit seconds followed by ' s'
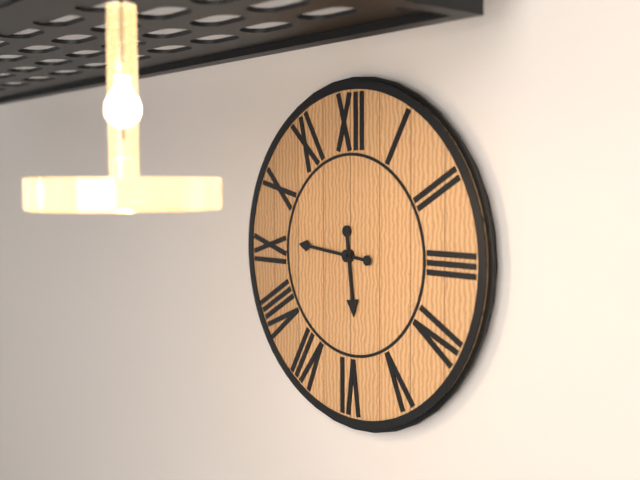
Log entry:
5 h 46 min
